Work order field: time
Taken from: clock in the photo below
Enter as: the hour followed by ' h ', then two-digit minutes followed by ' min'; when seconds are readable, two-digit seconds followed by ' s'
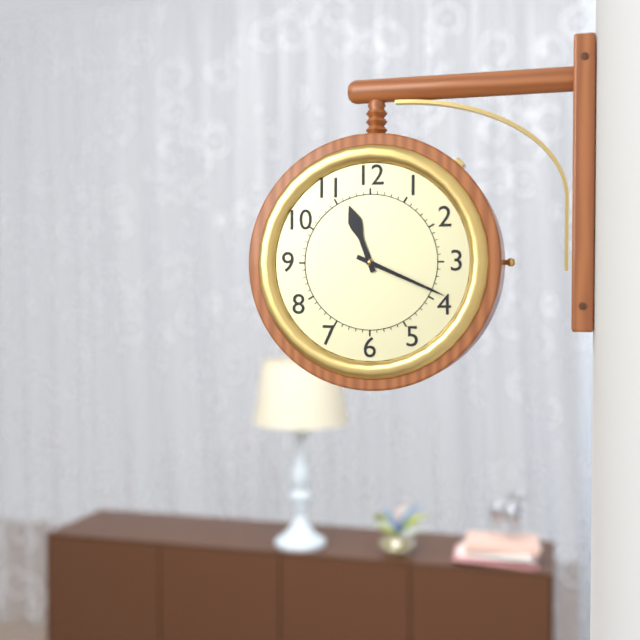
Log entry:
11 h 19 min
